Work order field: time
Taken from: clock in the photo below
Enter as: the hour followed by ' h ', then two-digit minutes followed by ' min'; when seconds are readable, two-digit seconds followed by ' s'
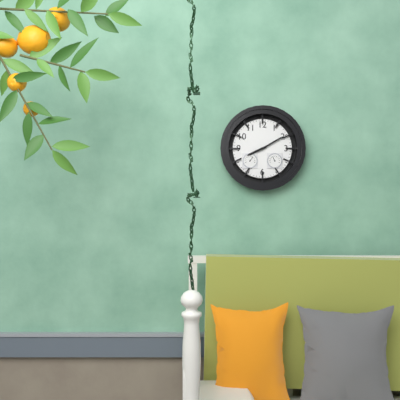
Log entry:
8 h 10 min
